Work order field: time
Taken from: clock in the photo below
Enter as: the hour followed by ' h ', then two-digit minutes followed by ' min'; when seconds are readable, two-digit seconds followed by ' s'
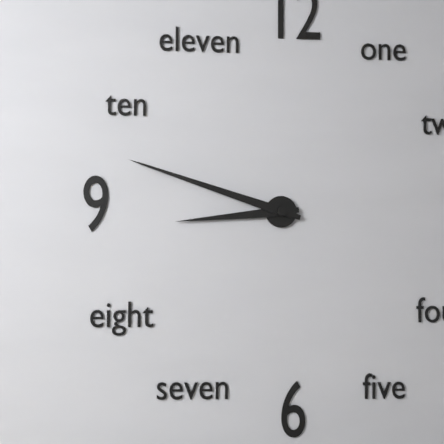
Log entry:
8 h 48 min
